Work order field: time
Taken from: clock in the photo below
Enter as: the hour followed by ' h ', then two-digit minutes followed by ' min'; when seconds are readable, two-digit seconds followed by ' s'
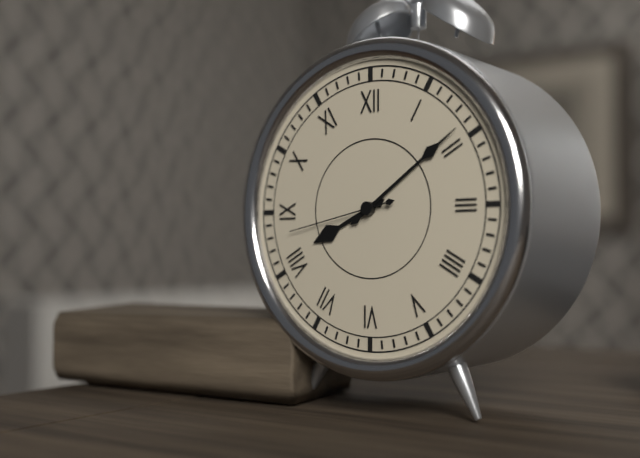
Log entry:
8 h 09 min 43 s
